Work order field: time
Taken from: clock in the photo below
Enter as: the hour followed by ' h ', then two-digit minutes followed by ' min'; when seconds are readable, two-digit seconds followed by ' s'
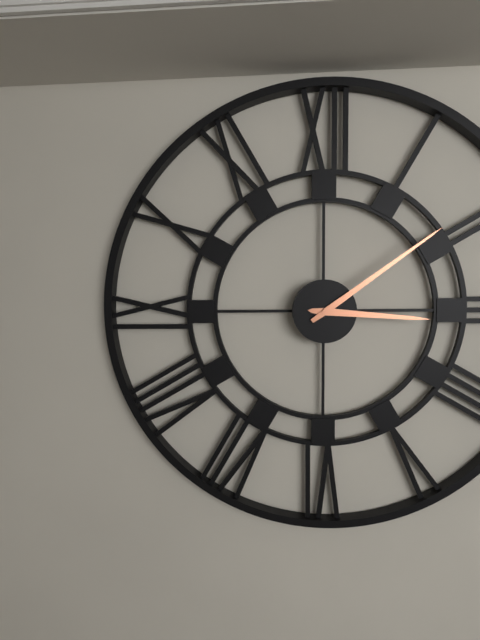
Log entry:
3 h 09 min
